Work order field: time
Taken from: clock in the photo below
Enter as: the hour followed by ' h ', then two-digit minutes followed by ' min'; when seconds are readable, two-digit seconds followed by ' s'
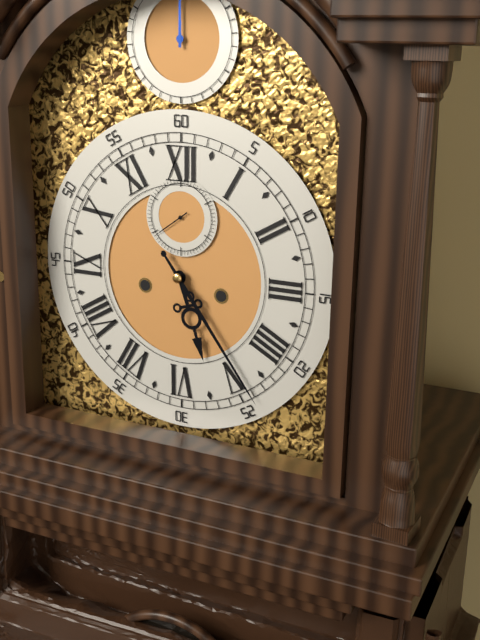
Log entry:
5 h 24 min
